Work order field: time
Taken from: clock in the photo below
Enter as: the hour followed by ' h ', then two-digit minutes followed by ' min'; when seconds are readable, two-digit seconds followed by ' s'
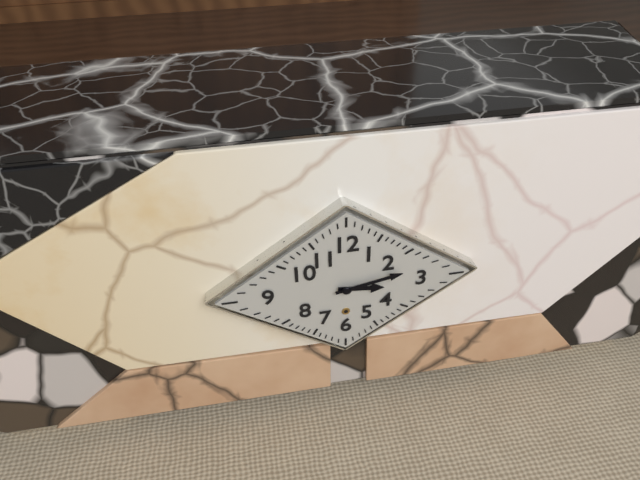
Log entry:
3 h 13 min
